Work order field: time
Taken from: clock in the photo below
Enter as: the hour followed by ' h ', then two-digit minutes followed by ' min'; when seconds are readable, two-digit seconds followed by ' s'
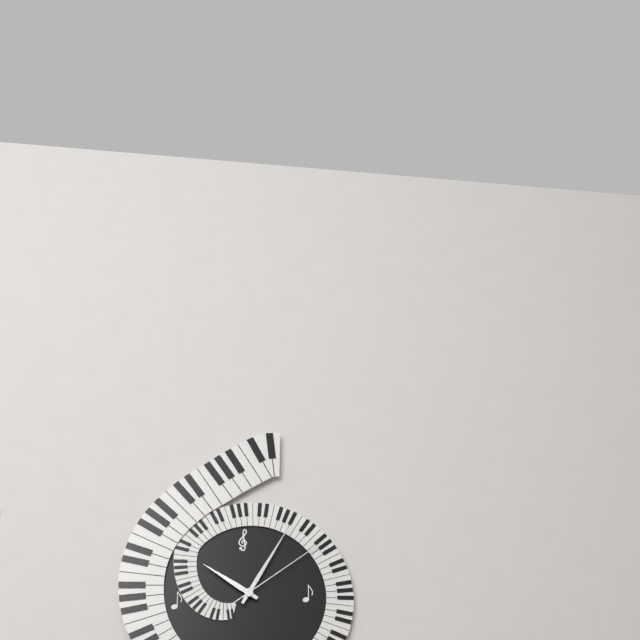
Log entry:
10 h 05 min 09 s
